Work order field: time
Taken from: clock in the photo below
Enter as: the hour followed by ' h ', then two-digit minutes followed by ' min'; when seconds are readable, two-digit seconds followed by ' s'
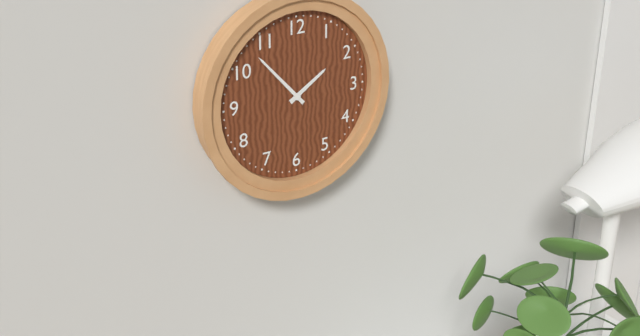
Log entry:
1 h 53 min
